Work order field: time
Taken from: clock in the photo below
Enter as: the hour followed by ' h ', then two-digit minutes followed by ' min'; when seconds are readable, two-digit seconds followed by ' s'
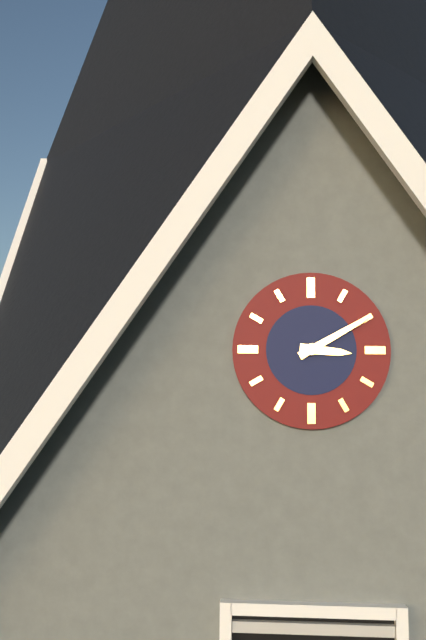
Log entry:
3 h 10 min
